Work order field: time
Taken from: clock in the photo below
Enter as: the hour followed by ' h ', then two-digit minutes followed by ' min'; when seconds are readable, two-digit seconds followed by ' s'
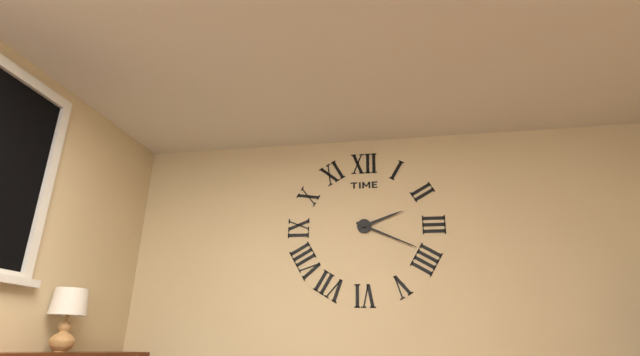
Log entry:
2 h 19 min
